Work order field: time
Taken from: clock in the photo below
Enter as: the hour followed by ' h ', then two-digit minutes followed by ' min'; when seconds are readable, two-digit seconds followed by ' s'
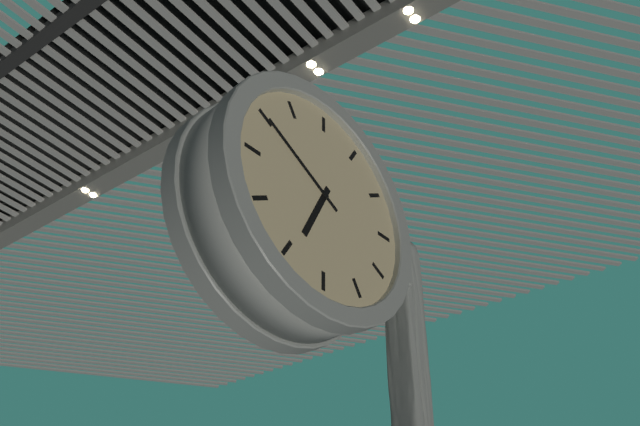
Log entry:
6 h 50 min
